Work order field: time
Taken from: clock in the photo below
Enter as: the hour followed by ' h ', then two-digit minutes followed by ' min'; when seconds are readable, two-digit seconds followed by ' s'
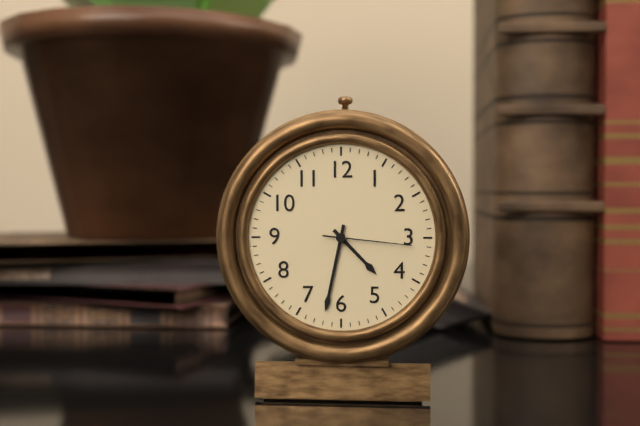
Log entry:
4 h 32 min 16 s
